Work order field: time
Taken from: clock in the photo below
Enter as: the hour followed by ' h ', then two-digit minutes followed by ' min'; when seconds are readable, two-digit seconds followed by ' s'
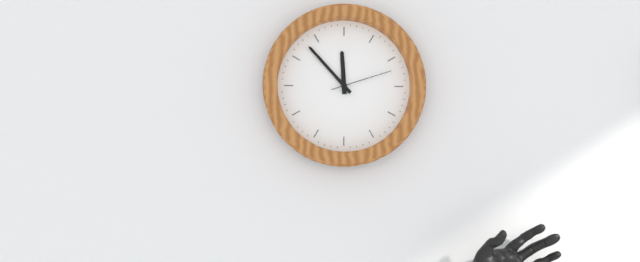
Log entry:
11 h 53 min 12 s
